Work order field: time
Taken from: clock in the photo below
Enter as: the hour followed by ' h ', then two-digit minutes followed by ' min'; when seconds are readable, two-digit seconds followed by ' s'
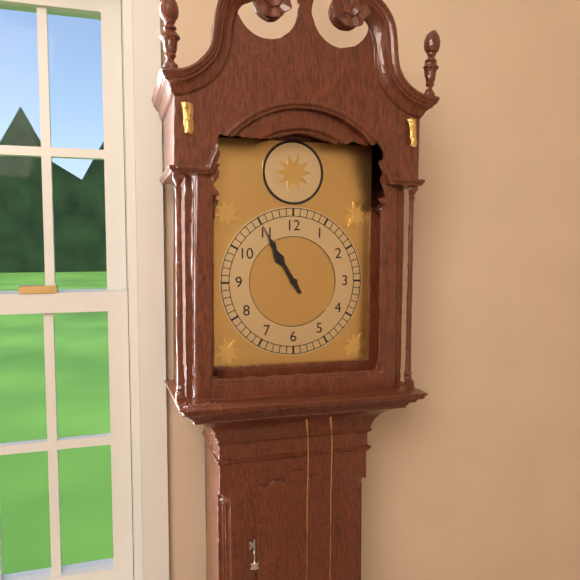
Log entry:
10 h 55 min
